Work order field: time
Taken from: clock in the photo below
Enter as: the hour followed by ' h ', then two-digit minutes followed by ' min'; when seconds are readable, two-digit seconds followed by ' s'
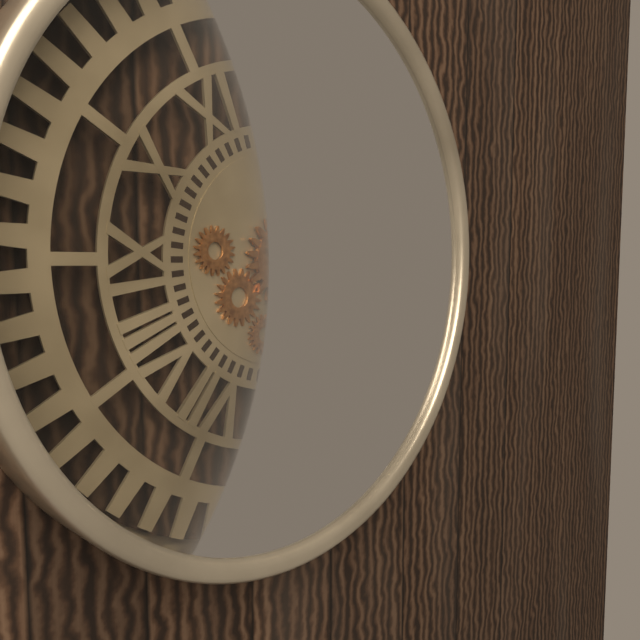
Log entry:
4 h 00 min
